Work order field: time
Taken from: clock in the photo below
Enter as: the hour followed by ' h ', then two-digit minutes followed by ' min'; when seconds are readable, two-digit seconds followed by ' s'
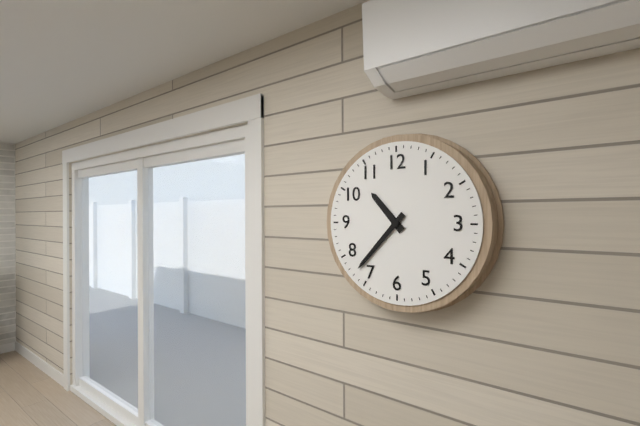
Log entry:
10 h 37 min
